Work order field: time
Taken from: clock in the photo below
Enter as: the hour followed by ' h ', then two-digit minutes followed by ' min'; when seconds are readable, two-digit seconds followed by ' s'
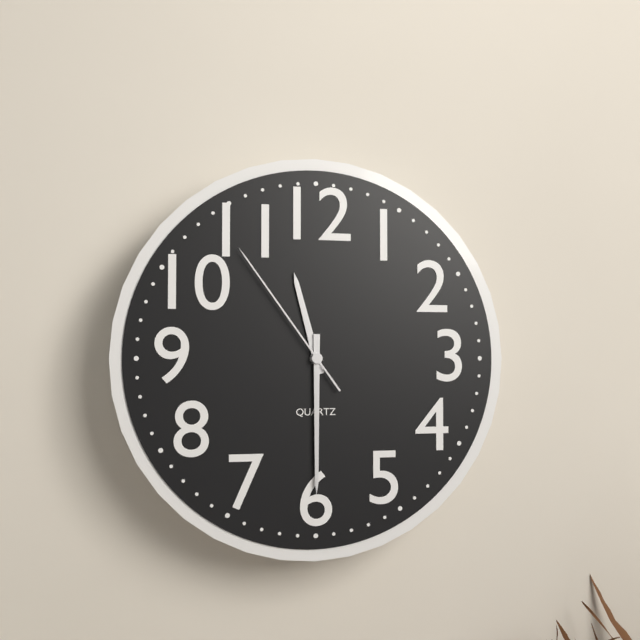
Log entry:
11 h 30 min 54 s
